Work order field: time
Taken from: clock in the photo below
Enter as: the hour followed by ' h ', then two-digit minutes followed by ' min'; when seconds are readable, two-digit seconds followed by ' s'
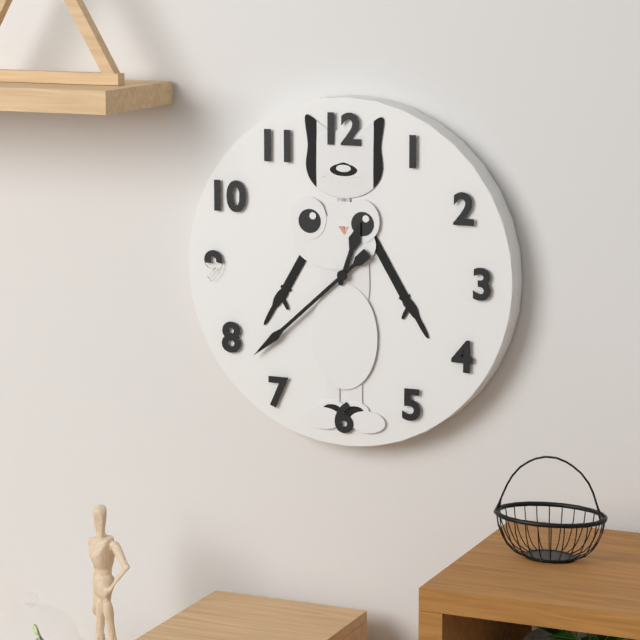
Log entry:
12 h 38 min
